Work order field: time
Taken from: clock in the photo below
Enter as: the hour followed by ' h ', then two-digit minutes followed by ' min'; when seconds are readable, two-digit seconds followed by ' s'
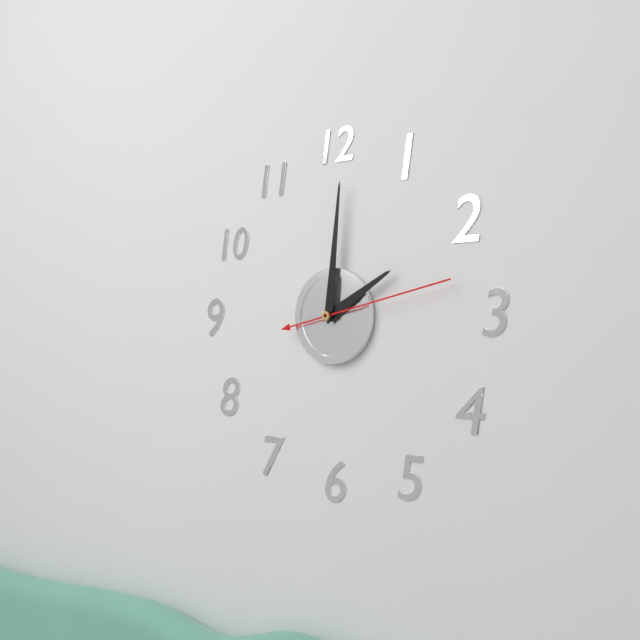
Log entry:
2 h 01 min 13 s
